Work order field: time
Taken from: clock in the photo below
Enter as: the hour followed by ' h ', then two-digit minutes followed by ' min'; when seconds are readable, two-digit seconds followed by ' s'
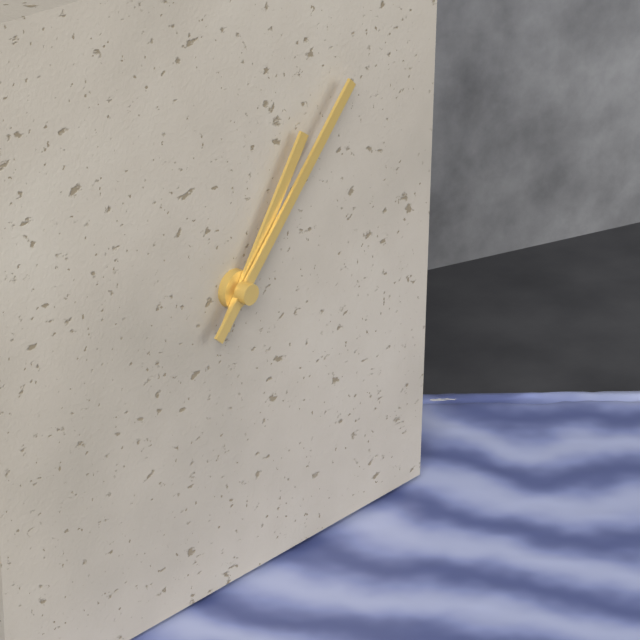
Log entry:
1 h 07 min
